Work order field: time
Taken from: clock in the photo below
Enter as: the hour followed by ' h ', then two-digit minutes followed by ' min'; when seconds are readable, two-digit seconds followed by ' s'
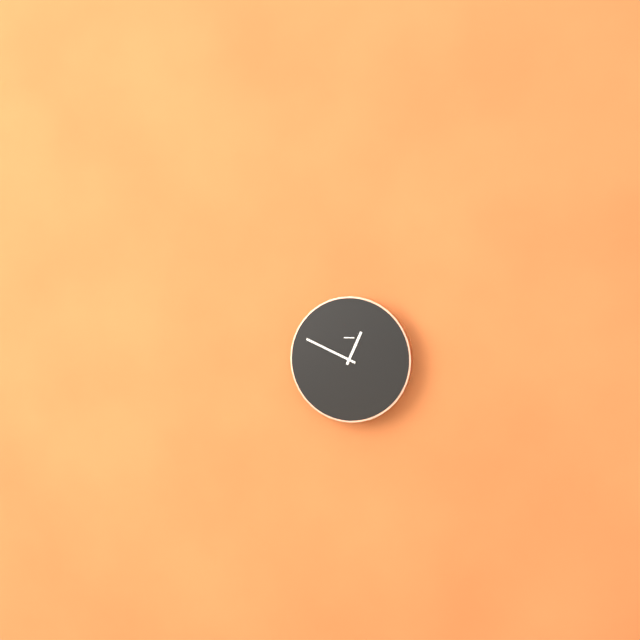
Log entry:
12 h 49 min
